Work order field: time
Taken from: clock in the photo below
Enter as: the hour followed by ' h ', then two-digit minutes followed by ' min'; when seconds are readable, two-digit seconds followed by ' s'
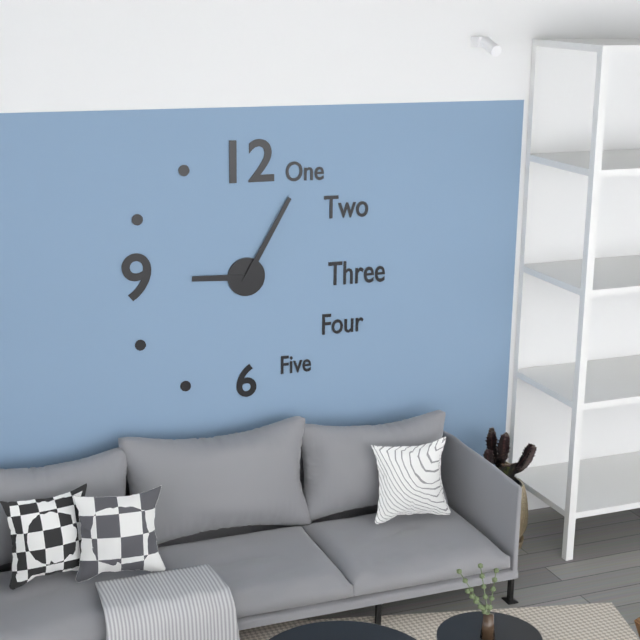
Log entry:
9 h 05 min
